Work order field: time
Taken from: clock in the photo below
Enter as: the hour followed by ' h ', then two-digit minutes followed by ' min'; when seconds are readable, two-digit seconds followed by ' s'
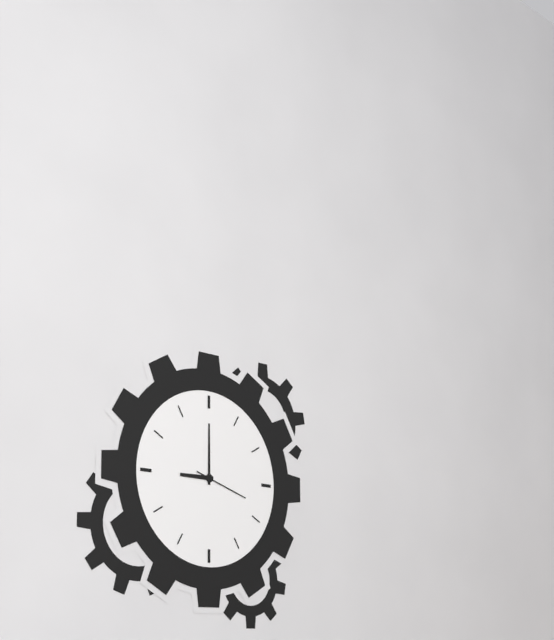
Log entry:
9 h 00 min 18 s
